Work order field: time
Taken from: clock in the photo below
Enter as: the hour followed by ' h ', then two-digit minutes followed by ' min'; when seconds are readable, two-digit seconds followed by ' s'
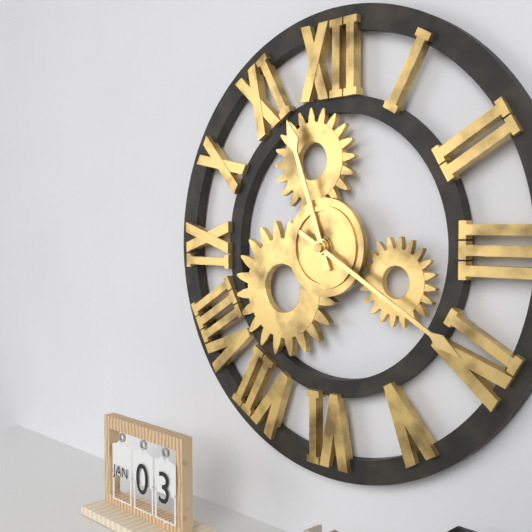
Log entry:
11 h 20 min
